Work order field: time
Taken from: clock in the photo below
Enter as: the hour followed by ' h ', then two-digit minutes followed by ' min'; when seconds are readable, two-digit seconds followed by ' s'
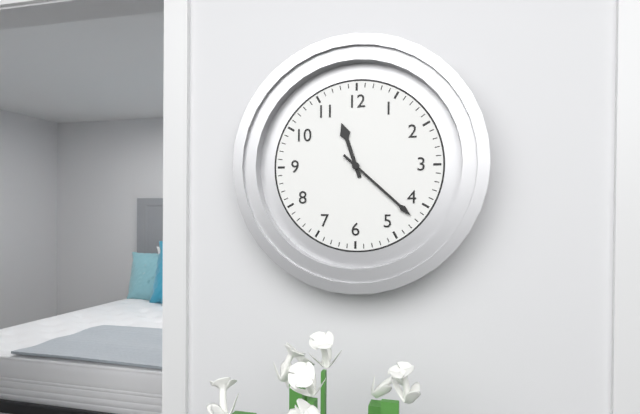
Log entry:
11 h 22 min
